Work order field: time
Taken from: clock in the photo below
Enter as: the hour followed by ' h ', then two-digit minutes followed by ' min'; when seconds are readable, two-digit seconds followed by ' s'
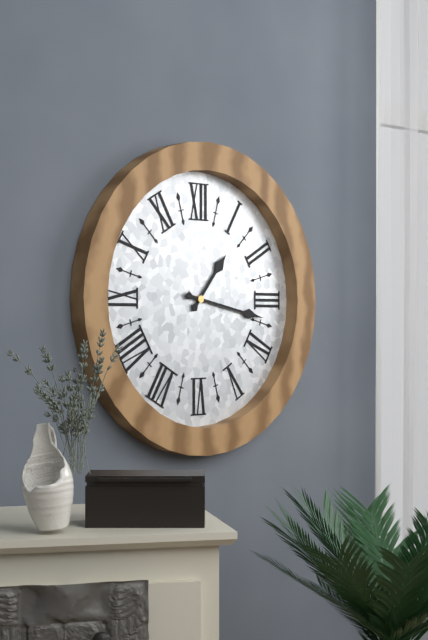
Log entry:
1 h 17 min
